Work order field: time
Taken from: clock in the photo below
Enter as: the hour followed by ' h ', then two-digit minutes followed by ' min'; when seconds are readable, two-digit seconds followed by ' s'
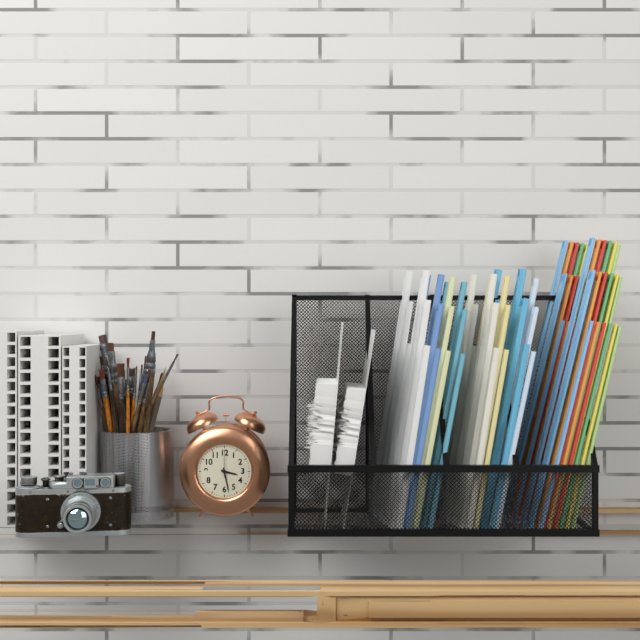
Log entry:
3 h 28 min
